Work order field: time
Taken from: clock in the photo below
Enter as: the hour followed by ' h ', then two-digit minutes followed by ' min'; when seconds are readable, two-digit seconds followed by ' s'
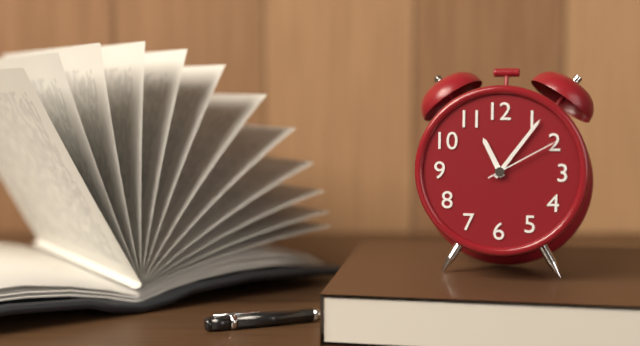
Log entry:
11 h 06 min 10 s
